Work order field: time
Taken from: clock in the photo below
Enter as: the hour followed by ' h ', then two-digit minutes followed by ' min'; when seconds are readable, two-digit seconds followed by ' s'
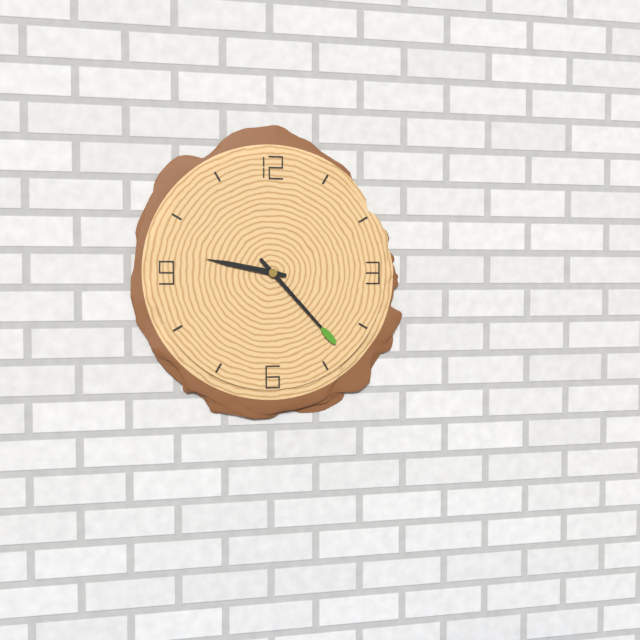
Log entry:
9 h 23 min
